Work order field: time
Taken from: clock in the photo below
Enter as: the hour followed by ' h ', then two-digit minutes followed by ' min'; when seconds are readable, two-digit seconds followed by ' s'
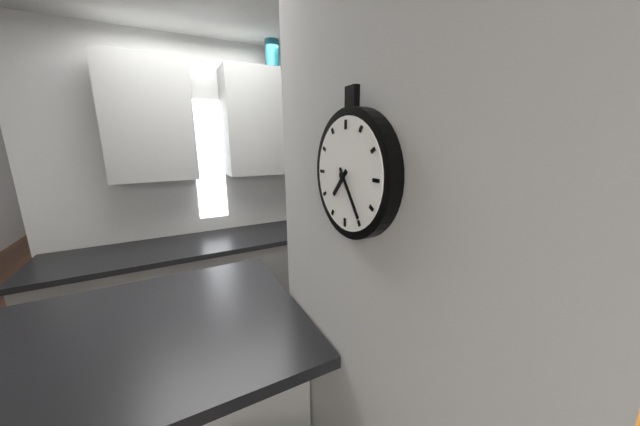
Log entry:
7 h 24 min
